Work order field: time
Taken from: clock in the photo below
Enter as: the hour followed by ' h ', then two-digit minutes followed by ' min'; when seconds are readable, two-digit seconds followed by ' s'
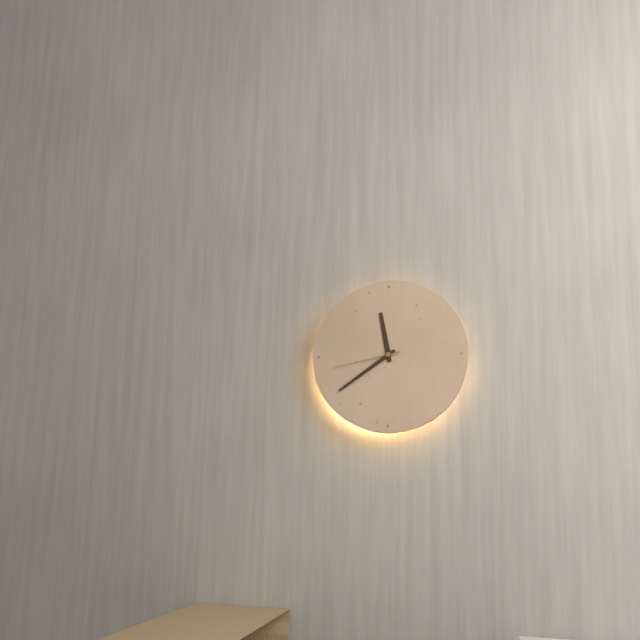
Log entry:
11 h 39 min 43 s
